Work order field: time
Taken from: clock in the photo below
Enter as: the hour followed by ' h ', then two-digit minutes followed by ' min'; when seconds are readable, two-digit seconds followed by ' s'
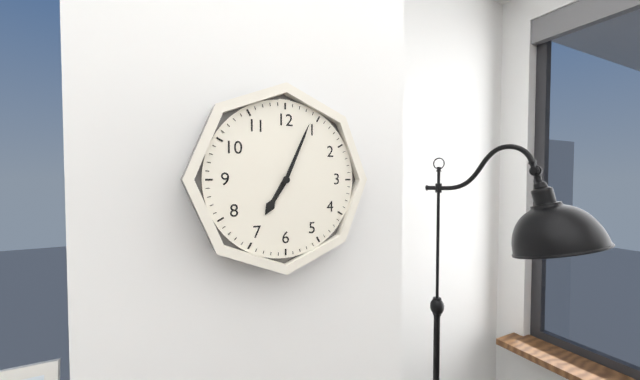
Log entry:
7 h 04 min
